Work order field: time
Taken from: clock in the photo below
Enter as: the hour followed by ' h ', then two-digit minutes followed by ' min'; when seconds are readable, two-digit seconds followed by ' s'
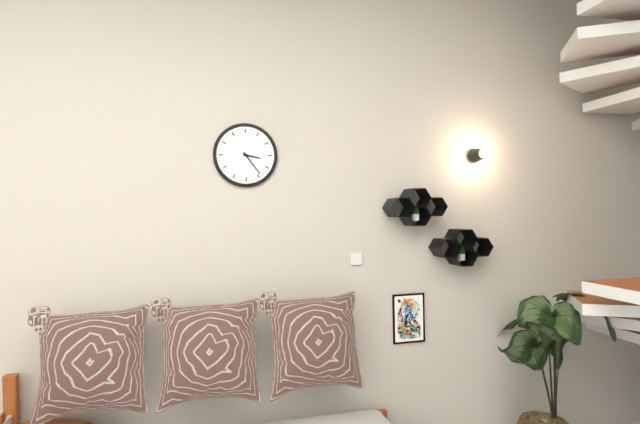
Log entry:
3 h 24 min
